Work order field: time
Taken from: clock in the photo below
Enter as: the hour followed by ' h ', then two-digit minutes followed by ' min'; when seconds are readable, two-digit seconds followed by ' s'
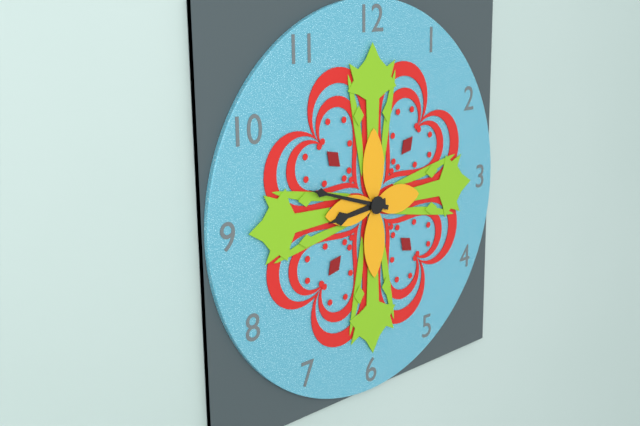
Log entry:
8 h 48 min
